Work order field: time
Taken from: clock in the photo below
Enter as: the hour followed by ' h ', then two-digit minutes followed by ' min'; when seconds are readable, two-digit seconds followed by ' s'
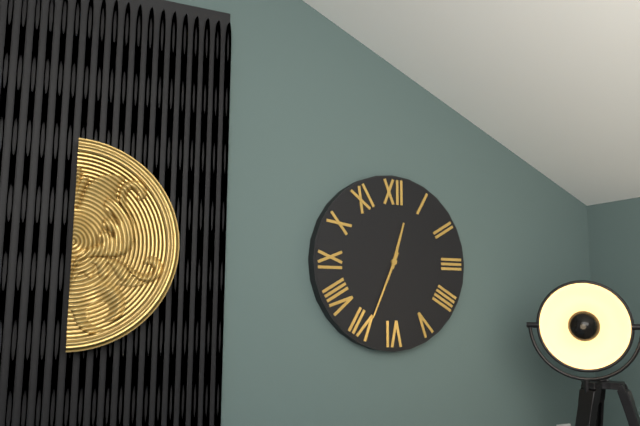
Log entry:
12 h 34 min
